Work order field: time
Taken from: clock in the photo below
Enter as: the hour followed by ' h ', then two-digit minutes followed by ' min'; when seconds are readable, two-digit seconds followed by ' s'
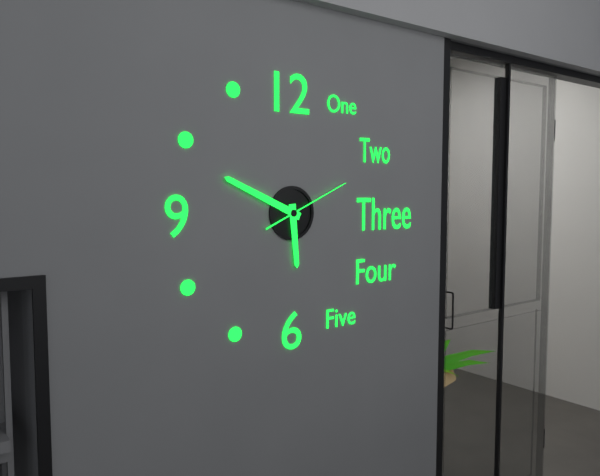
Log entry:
5 h 49 min 11 s
